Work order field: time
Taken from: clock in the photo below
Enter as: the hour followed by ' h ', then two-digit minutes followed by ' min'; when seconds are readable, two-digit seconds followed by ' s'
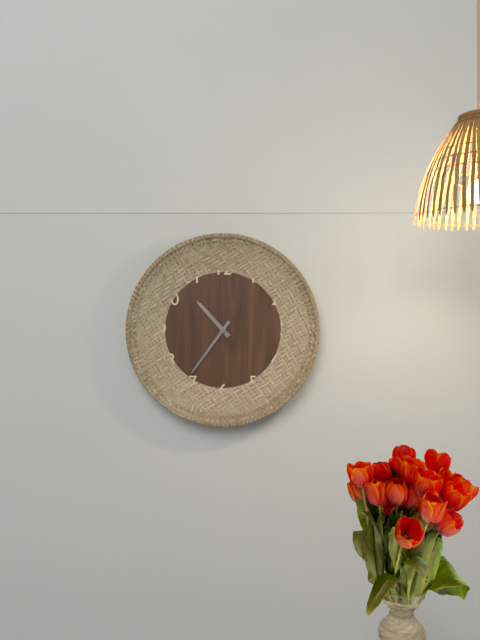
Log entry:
10 h 36 min
